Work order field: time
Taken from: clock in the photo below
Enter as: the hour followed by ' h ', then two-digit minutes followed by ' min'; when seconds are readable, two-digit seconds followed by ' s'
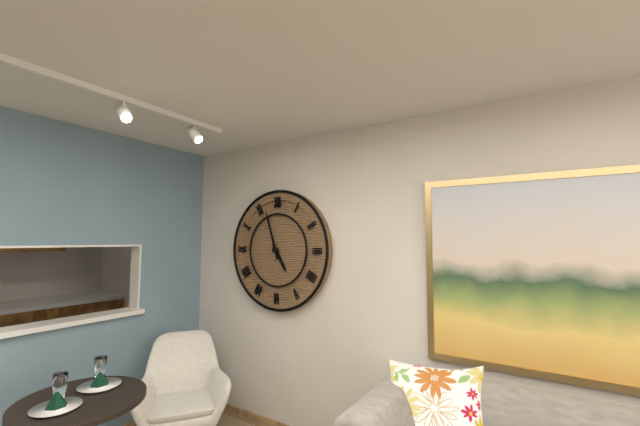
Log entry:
4 h 57 min
